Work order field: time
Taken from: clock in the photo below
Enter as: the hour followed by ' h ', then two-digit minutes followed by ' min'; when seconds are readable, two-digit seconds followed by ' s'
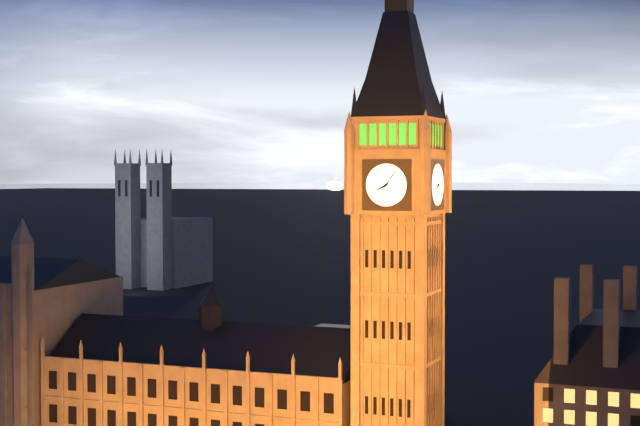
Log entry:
8 h 06 min
